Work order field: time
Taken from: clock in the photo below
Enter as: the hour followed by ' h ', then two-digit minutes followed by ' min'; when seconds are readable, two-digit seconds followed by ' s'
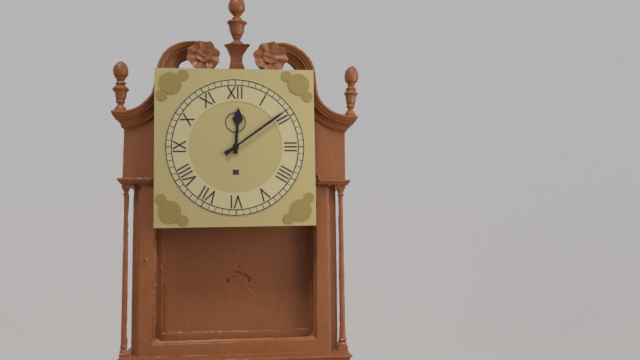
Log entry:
12 h 09 min
